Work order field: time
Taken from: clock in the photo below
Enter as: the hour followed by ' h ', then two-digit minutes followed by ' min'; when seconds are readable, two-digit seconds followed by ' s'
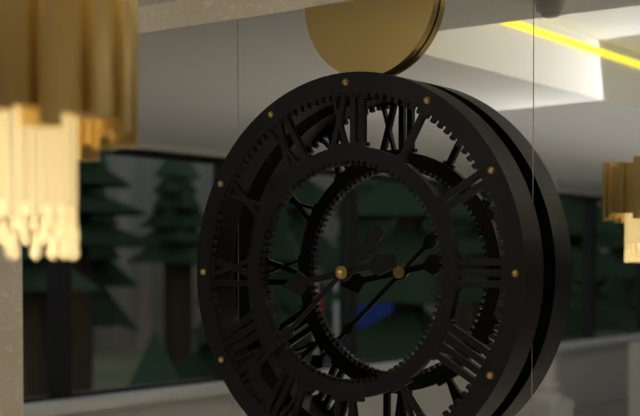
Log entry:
8 h 38 min
